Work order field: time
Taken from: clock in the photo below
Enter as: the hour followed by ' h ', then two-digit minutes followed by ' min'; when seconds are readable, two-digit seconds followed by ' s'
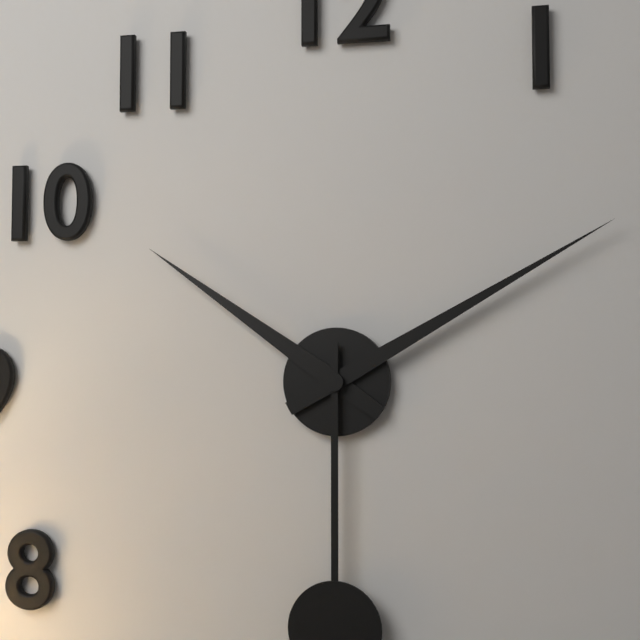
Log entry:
10 h 10 min
